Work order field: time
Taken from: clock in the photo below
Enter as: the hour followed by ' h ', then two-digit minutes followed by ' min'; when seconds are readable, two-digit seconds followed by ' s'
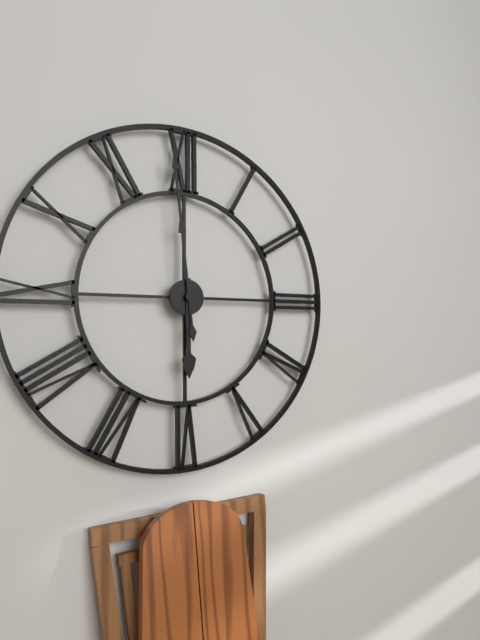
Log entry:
5 h 59 min
